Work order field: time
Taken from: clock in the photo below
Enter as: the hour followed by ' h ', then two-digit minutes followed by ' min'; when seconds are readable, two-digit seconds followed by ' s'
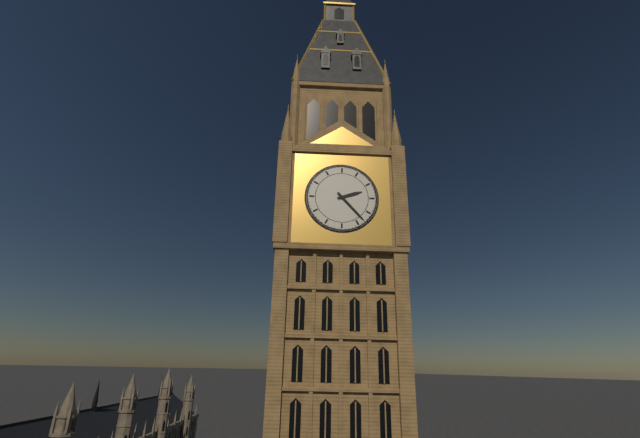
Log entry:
2 h 23 min
